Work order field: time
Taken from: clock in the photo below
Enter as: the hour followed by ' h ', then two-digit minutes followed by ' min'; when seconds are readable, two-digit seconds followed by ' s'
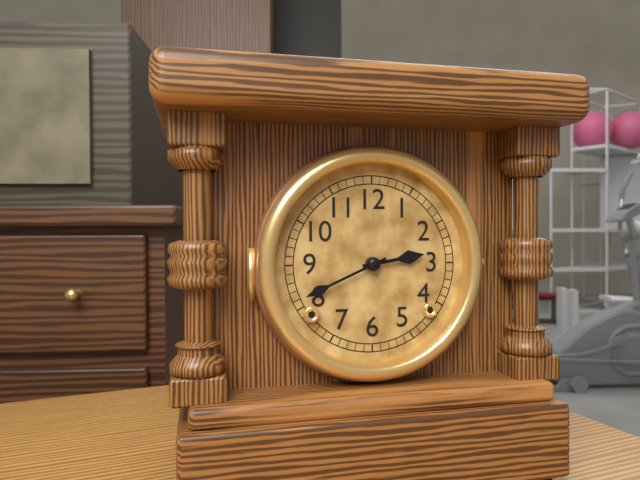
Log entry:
2 h 41 min
